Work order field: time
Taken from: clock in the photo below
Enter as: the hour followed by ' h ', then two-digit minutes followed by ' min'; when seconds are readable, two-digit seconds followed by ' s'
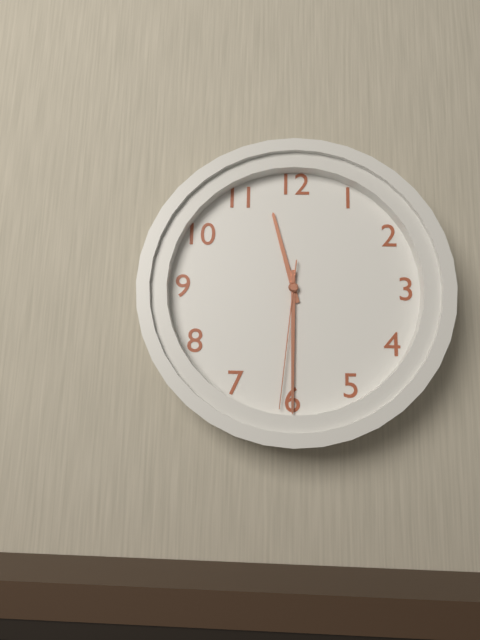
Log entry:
11 h 30 min 31 s
